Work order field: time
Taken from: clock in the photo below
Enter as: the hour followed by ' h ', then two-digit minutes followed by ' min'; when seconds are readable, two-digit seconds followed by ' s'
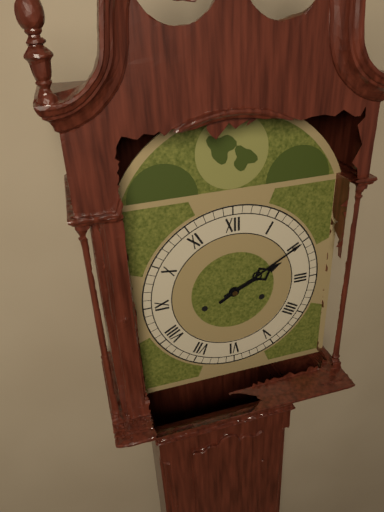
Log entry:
2 h 10 min
